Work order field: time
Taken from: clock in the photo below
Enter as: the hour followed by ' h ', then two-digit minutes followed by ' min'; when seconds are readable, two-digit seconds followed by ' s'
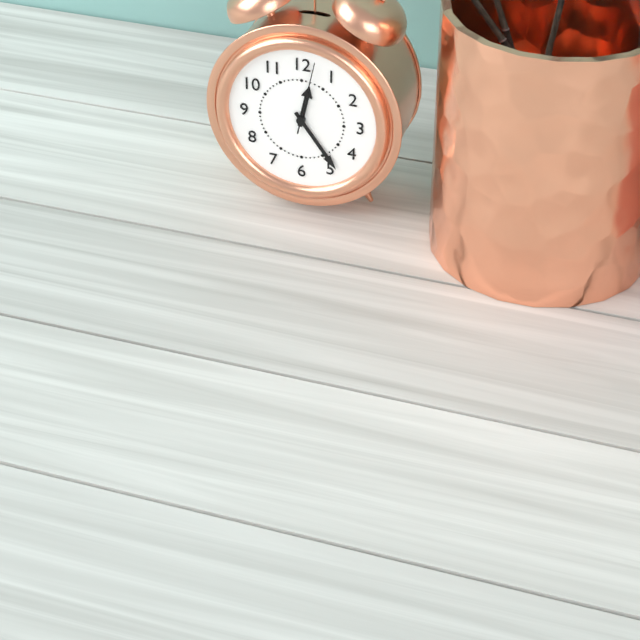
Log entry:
12 h 24 min 02 s
